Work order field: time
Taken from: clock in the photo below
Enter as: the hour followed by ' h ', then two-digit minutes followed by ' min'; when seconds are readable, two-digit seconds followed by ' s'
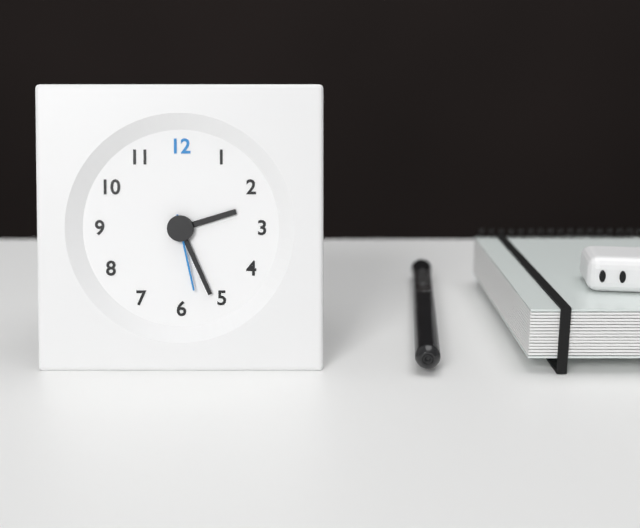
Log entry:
2 h 26 min 28 s
